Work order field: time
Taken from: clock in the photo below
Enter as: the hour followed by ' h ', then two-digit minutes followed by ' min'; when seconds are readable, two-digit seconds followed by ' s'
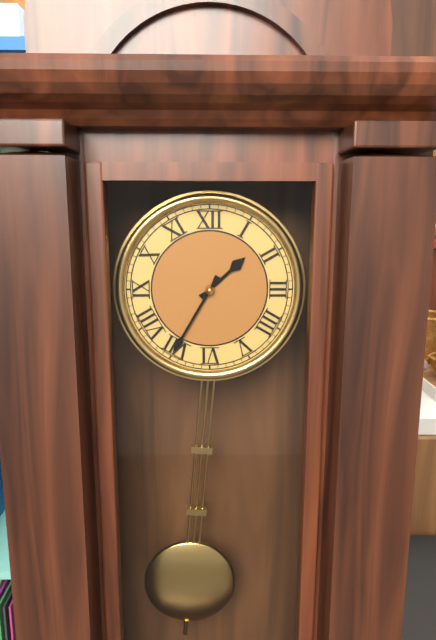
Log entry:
1 h 35 min
